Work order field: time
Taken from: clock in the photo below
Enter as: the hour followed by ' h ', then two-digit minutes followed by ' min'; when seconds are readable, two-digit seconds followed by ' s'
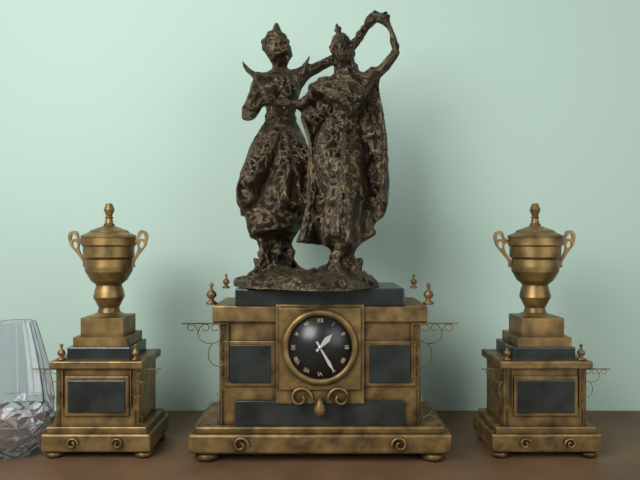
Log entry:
1 h 25 min
